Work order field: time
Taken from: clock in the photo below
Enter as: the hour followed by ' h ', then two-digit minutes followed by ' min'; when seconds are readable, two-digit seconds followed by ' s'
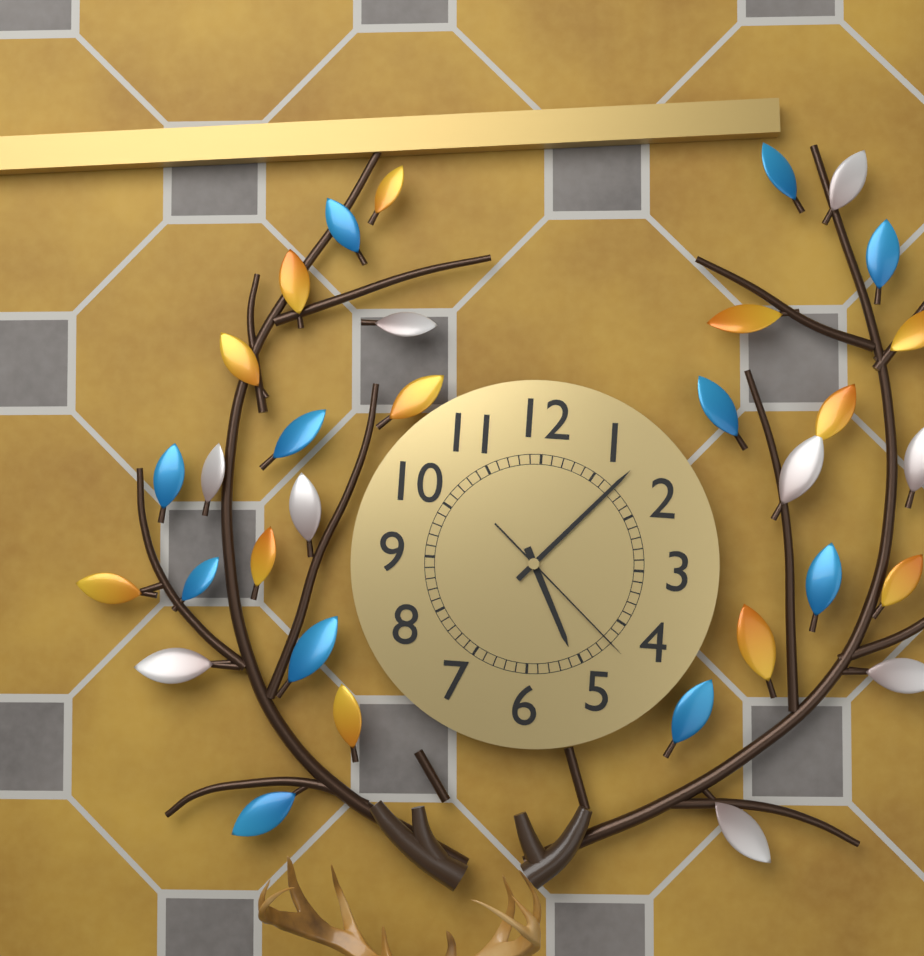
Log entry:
5 h 07 min 22 s
